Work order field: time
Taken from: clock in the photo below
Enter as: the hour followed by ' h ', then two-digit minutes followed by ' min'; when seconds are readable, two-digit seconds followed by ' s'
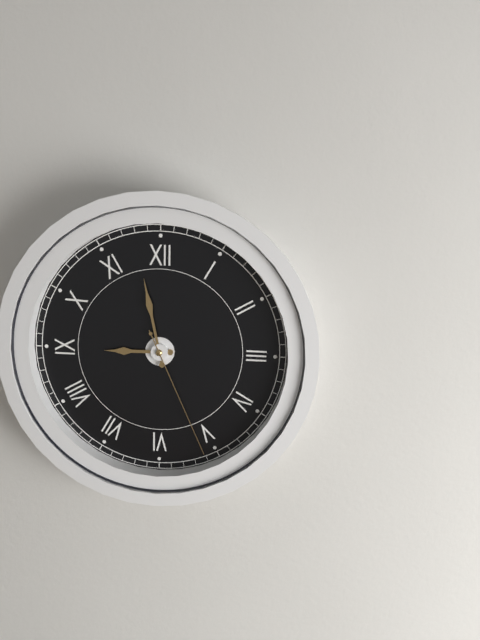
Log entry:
8 h 58 min 26 s
